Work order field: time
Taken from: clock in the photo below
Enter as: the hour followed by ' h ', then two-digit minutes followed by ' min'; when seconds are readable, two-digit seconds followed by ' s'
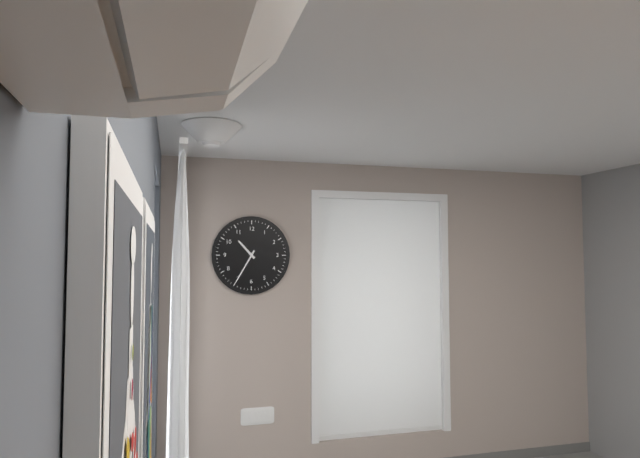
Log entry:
10 h 35 min
